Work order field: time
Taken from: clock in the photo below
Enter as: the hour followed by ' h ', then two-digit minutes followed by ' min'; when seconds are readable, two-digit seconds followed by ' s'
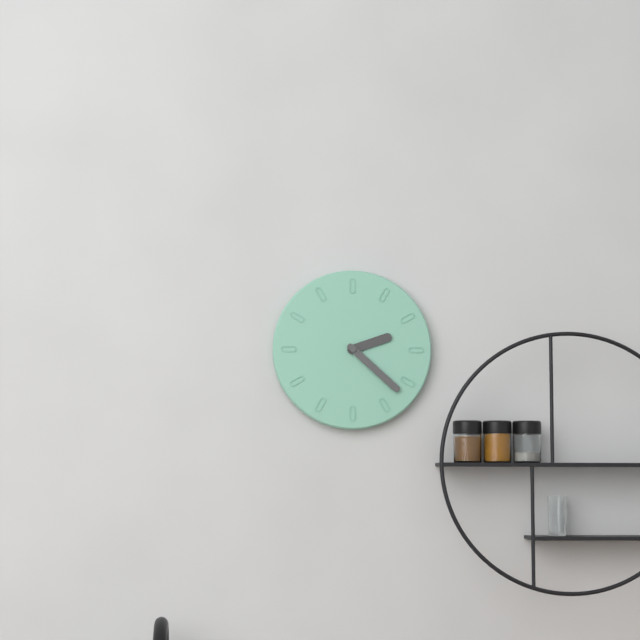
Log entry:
2 h 22 min
